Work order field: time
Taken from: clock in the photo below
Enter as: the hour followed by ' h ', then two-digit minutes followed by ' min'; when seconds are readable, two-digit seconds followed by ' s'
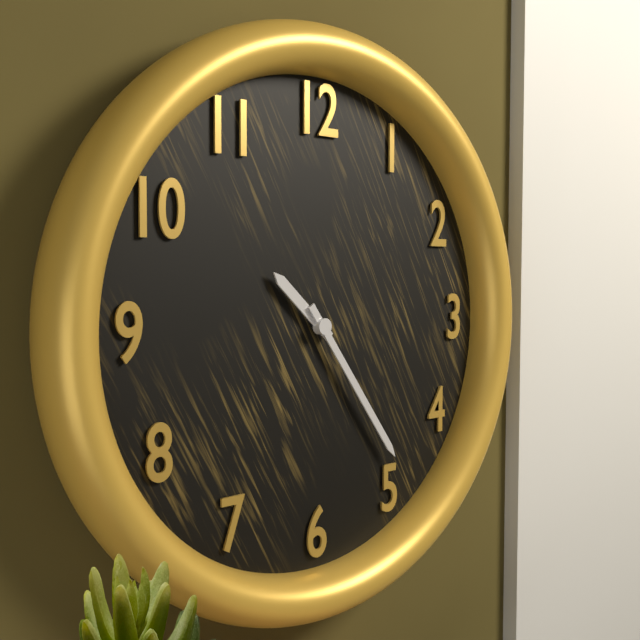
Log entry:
10 h 24 min
